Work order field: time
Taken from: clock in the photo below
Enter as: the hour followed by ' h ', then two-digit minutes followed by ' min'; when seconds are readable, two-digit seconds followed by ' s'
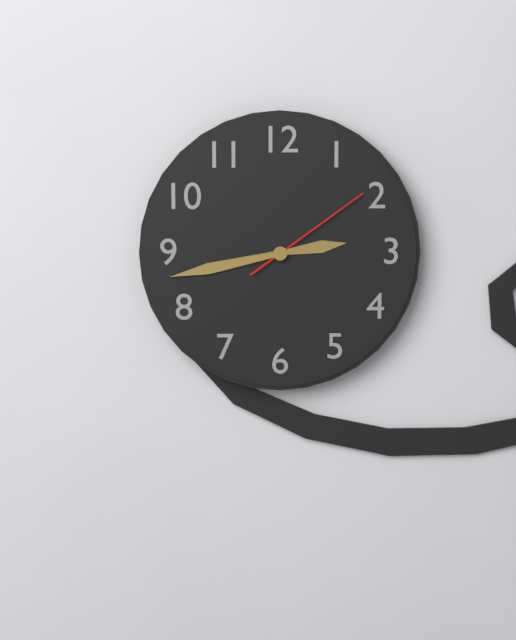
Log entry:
2 h 43 min 09 s
